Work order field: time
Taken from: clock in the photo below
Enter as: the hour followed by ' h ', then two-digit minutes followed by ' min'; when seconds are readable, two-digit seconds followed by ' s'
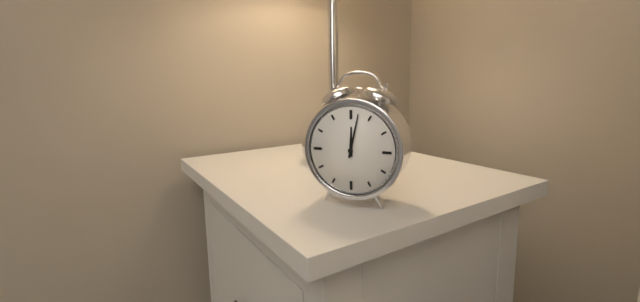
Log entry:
12 h 02 min
